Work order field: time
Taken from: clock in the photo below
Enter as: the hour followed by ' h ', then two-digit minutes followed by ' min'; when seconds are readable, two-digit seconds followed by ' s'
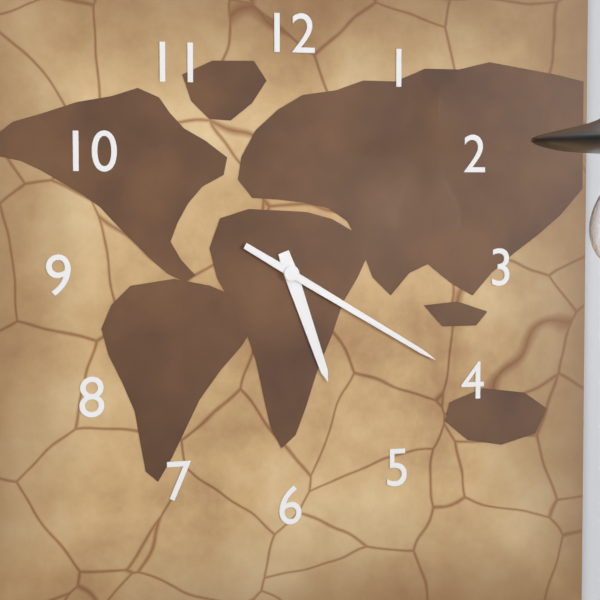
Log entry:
5 h 20 min
